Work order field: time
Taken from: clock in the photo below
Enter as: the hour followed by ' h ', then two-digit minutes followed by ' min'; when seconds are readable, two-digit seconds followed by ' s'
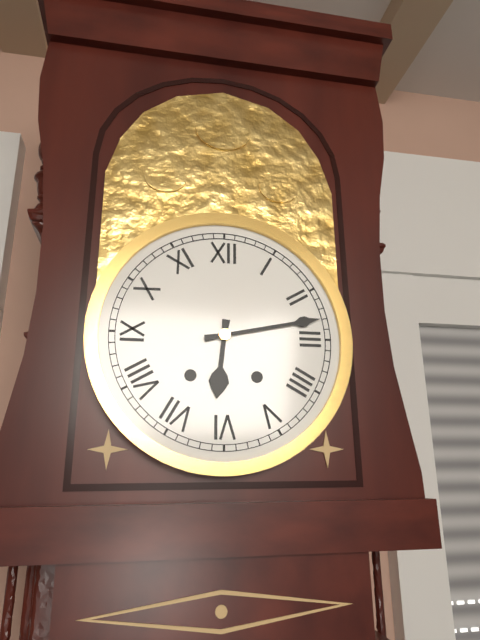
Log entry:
6 h 13 min
